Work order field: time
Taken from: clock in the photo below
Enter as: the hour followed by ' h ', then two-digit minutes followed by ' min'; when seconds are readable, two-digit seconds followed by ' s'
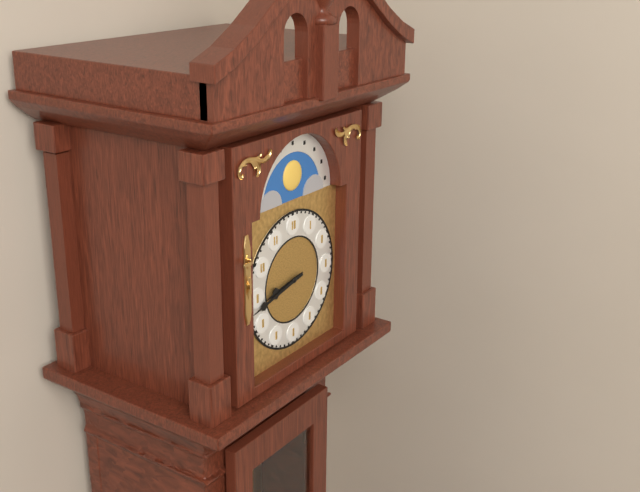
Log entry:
8 h 43 min
